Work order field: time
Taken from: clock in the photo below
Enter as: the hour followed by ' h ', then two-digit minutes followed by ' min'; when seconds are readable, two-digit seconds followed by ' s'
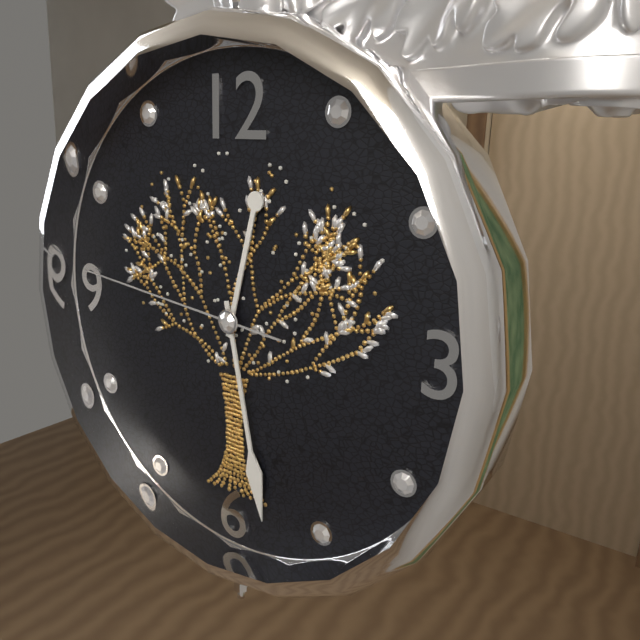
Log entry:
12 h 28 min 46 s
